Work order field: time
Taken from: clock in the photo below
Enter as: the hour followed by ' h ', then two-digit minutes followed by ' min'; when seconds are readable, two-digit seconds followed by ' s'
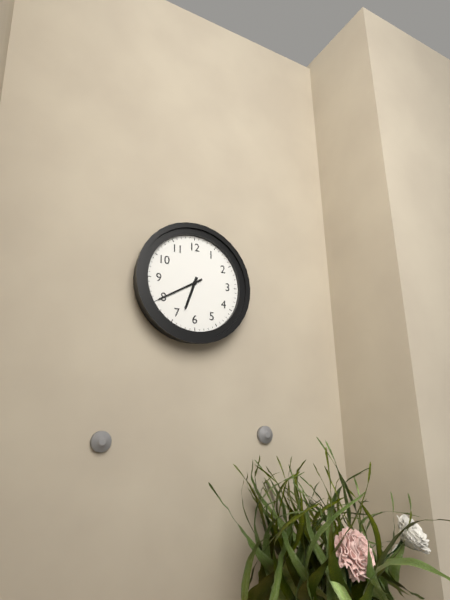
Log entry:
6 h 40 min
